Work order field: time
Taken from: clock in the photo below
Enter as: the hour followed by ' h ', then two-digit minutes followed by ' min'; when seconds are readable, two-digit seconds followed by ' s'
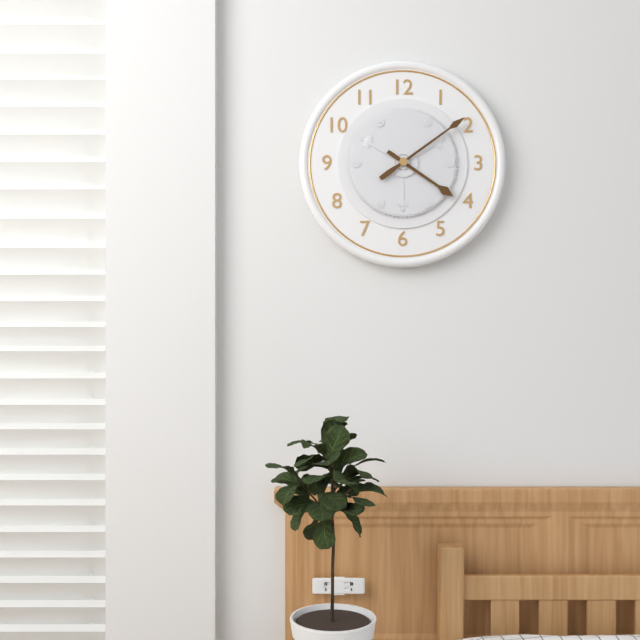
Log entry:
4 h 09 min
